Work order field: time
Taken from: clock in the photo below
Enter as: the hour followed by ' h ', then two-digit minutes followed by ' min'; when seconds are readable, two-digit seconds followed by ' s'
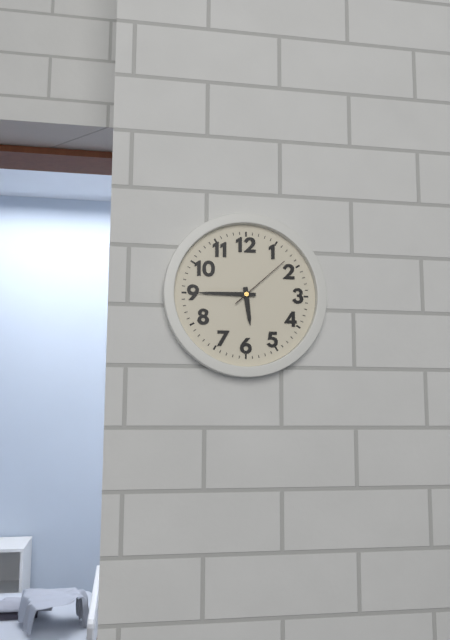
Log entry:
5 h 45 min 08 s
